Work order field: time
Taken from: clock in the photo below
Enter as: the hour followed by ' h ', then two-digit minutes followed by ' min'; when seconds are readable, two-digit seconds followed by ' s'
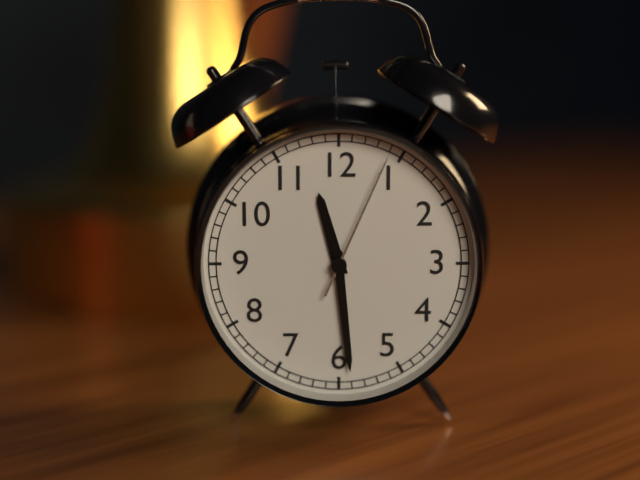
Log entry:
11 h 29 min 04 s
